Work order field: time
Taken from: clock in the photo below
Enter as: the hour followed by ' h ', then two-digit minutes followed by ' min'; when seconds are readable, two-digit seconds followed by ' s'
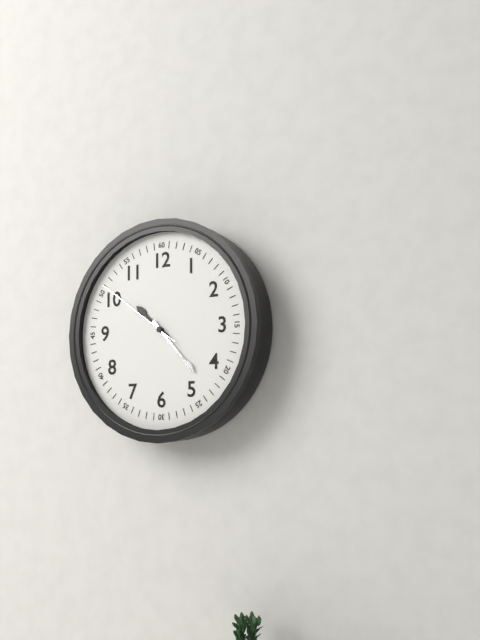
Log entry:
10 h 23 min 51 s
